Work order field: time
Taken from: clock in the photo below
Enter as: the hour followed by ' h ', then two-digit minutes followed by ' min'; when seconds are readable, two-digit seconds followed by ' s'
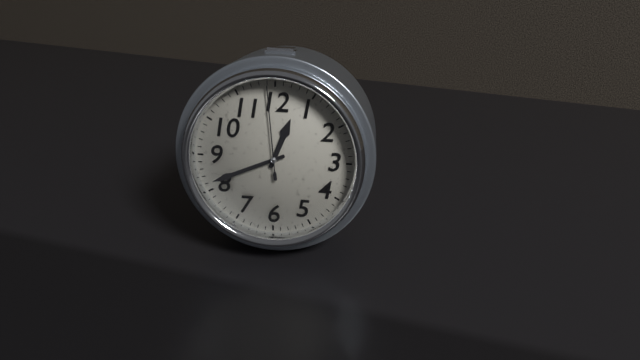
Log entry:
12 h 41 min 59 s
